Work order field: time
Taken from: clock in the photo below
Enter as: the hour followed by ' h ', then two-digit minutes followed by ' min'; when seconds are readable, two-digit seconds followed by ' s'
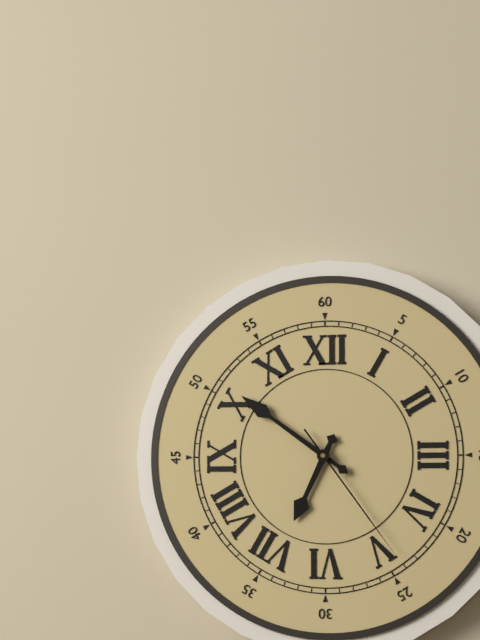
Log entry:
6 h 51 min 24 s
